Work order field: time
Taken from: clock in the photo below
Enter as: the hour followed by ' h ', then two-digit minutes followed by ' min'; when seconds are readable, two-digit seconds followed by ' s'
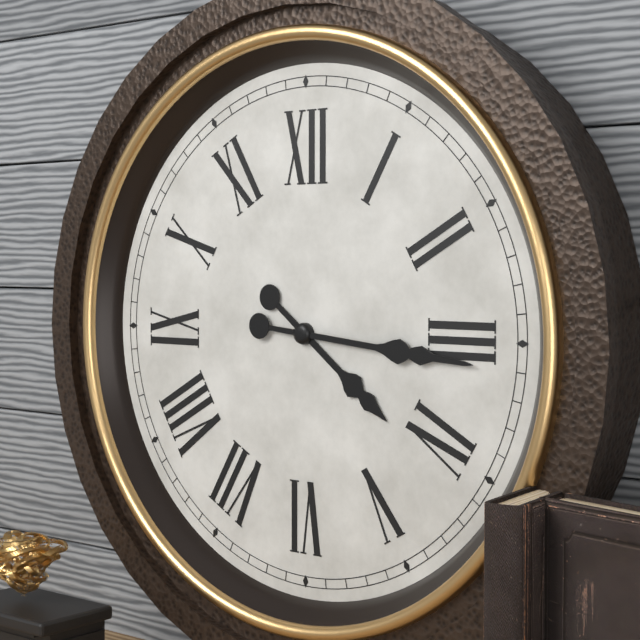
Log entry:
4 h 16 min
